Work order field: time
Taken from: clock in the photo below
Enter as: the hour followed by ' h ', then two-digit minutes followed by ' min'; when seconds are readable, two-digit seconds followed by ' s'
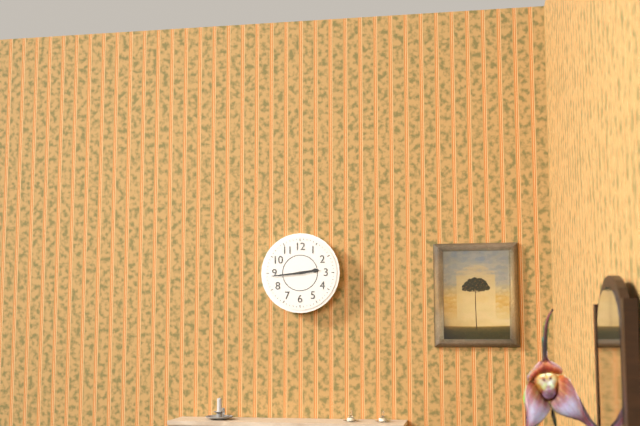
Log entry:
2 h 44 min
